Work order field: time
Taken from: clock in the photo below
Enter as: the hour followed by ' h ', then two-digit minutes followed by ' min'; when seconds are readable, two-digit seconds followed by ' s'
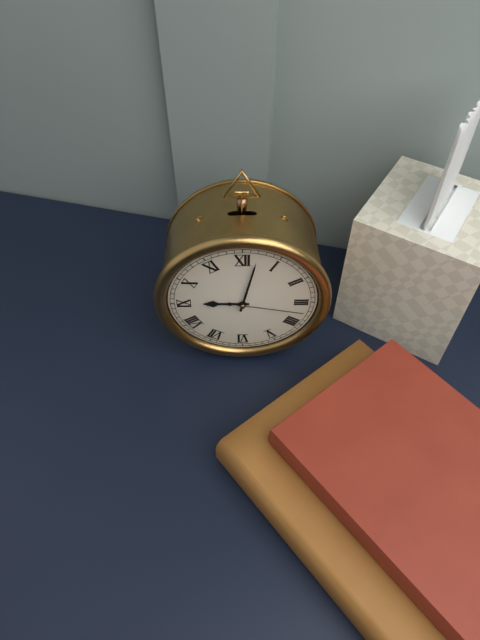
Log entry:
9 h 02 min 17 s
